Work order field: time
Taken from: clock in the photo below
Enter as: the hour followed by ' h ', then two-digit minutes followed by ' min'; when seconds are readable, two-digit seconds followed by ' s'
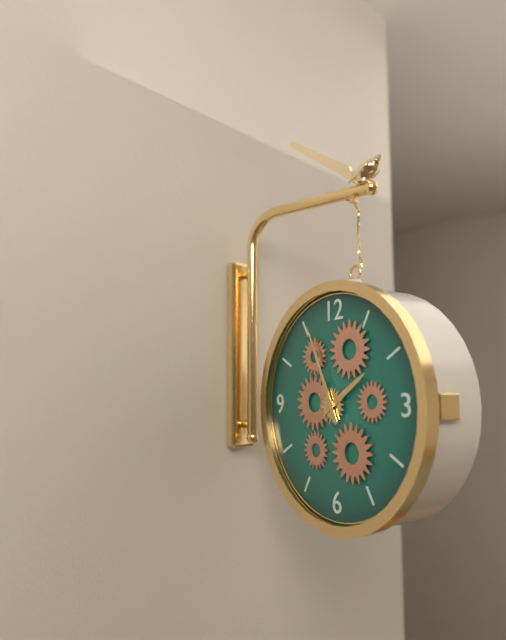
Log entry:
1 h 56 min
